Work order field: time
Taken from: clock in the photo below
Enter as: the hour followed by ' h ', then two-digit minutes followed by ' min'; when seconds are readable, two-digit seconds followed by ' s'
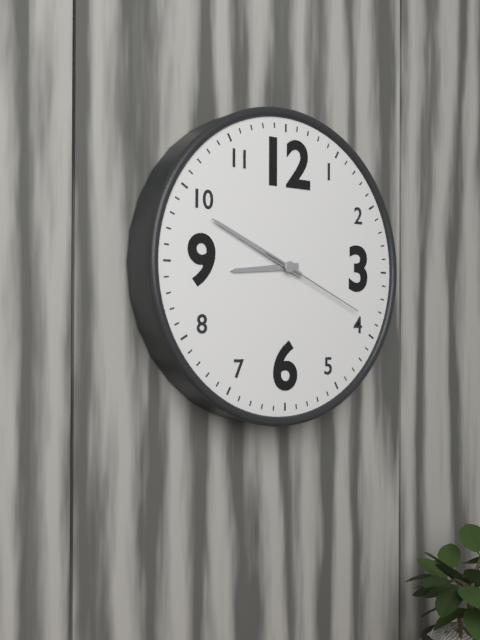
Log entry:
8 h 49 min 19 s
